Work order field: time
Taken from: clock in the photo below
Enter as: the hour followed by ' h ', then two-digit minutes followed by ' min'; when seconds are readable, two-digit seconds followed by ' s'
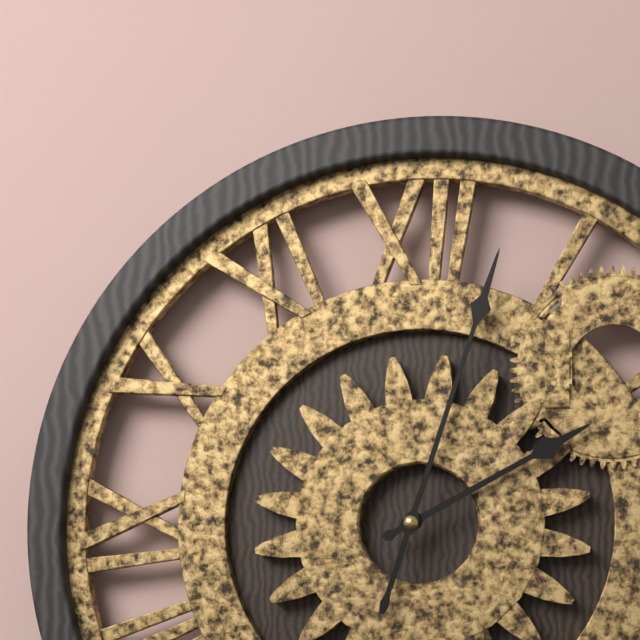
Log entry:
2 h 03 min
